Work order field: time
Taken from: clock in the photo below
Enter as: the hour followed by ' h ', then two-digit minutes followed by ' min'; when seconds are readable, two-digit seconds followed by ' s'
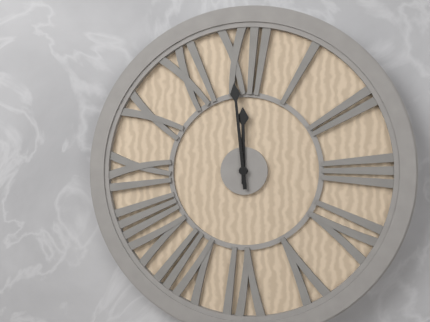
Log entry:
11 h 59 min
